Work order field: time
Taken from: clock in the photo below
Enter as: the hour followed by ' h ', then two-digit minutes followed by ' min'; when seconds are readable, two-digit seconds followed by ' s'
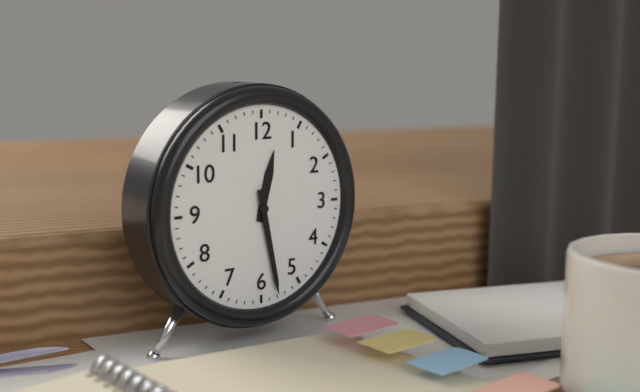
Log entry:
12 h 28 min
